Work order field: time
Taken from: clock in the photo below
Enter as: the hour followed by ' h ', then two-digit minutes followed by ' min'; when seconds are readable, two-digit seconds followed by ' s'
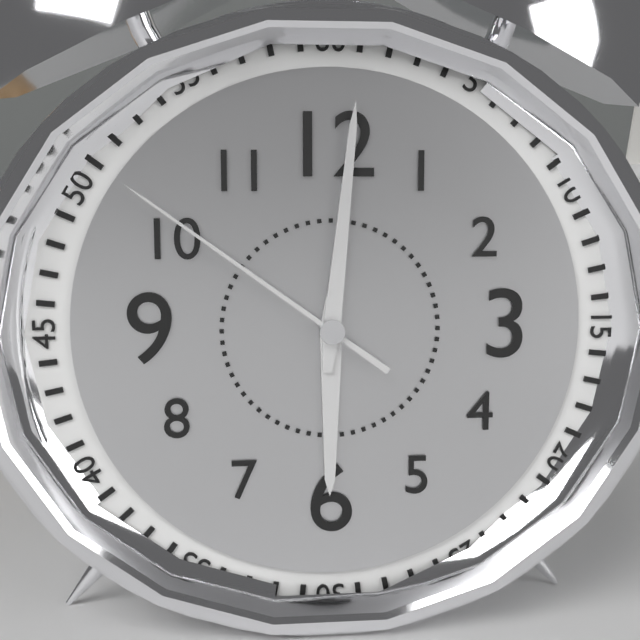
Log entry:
6 h 01 min 51 s
